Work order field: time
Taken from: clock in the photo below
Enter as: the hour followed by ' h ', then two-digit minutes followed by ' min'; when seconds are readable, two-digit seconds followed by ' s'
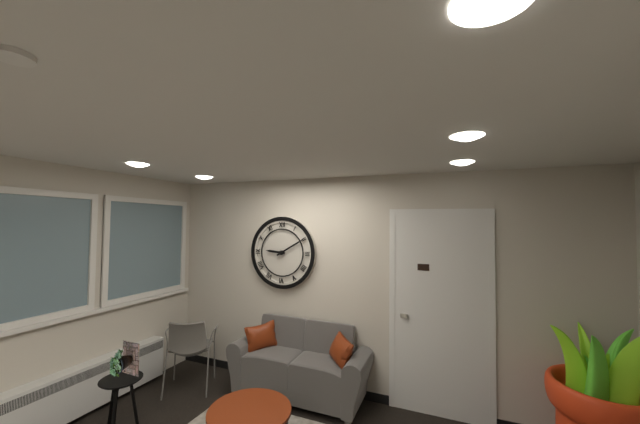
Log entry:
9 h 10 min
